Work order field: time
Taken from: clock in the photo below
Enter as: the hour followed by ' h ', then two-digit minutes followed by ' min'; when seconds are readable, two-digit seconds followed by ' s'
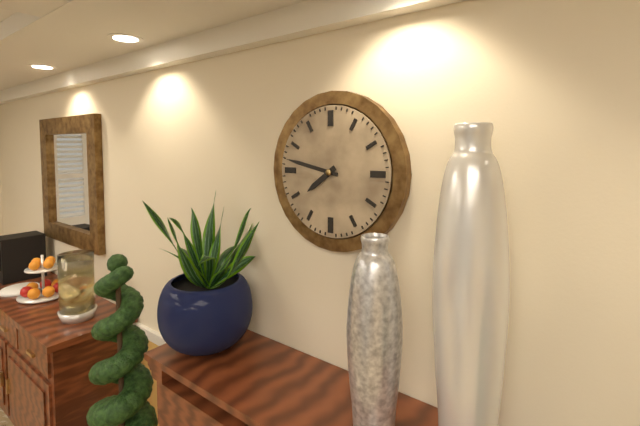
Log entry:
7 h 47 min
